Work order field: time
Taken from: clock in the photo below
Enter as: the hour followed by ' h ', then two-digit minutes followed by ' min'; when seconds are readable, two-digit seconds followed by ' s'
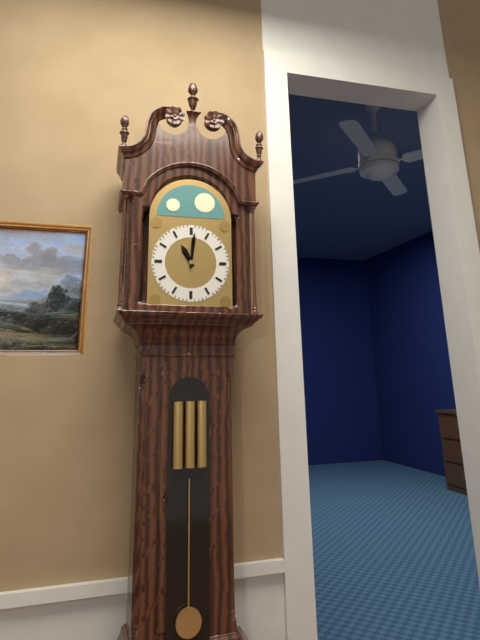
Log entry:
11 h 01 min
